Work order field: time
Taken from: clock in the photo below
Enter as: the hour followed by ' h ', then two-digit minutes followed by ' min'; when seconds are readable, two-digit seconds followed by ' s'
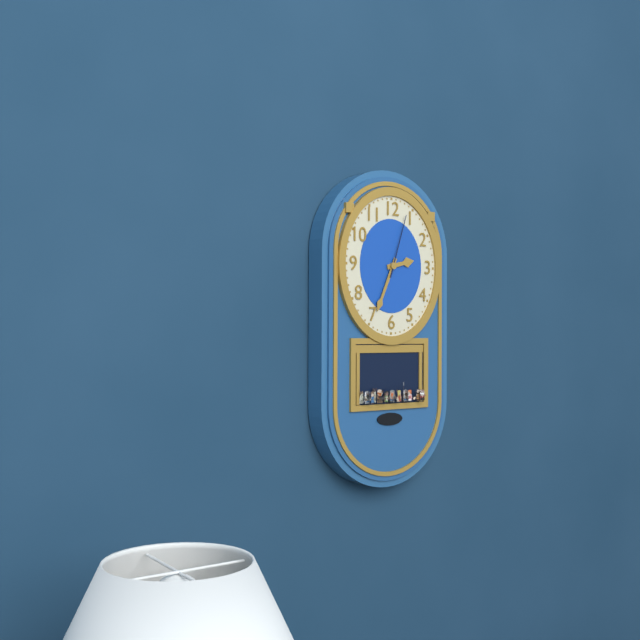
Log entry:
2 h 34 min 03 s
